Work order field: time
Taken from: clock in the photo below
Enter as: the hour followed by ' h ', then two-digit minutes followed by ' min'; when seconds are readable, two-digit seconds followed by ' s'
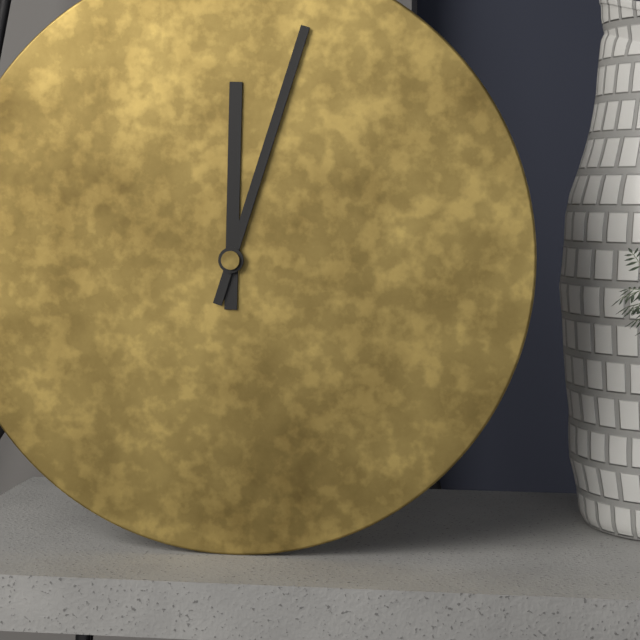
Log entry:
12 h 03 min
